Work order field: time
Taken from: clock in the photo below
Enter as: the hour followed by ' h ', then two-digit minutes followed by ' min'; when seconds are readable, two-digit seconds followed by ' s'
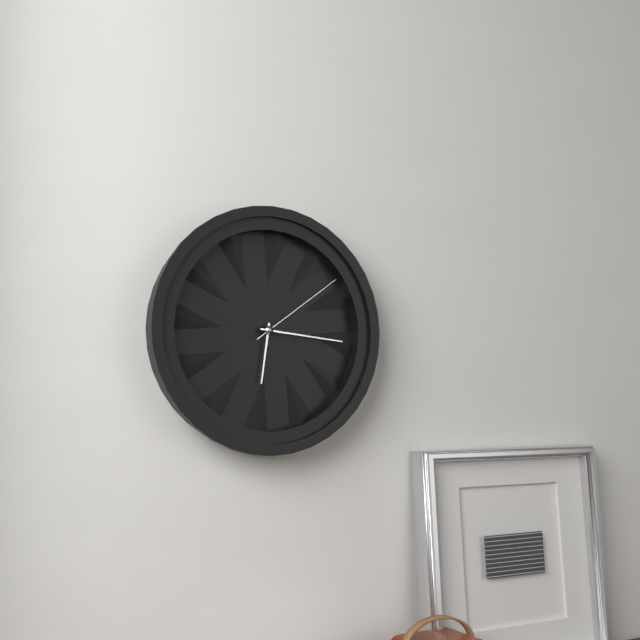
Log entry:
6 h 16 min 09 s
